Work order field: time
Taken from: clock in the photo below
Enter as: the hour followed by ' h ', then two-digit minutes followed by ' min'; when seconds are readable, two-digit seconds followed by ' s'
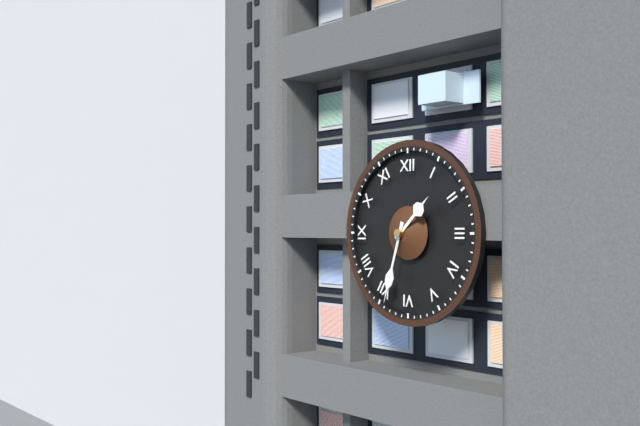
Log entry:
1 h 33 min
